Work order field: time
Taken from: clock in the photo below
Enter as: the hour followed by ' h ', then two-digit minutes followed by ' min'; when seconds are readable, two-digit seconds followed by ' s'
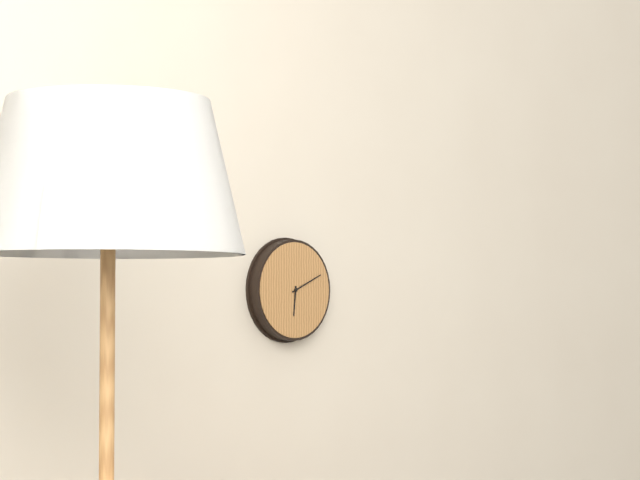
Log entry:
6 h 11 min
